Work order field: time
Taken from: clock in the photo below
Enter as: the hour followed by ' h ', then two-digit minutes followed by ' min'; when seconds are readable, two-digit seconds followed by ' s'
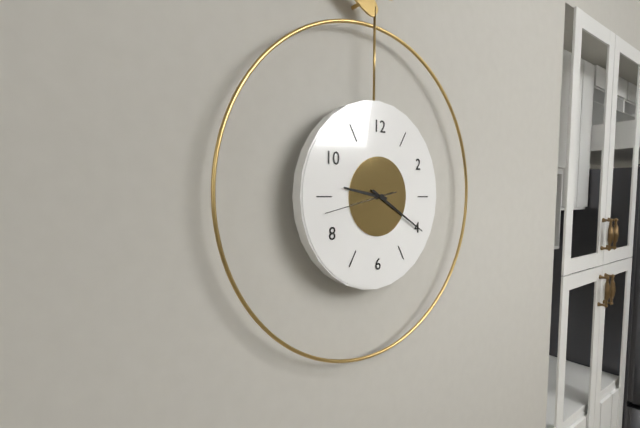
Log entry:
9 h 20 min 43 s
